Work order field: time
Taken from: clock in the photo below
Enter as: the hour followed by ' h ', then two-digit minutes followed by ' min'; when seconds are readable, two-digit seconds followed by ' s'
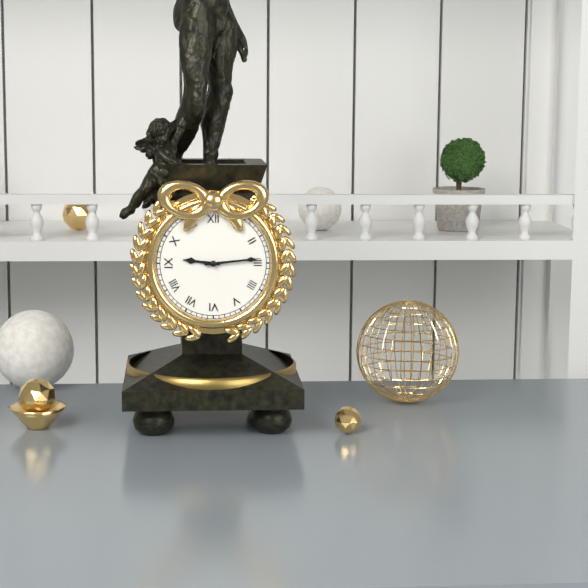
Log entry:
9 h 14 min
